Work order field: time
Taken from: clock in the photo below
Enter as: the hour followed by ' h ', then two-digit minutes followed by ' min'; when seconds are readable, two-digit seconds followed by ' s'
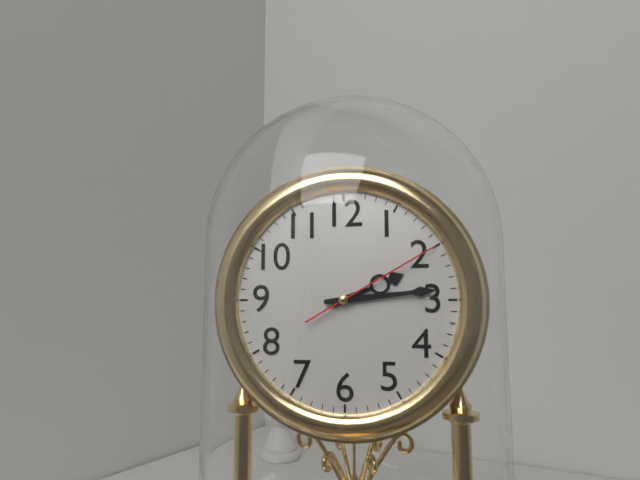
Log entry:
2 h 14 min 10 s
